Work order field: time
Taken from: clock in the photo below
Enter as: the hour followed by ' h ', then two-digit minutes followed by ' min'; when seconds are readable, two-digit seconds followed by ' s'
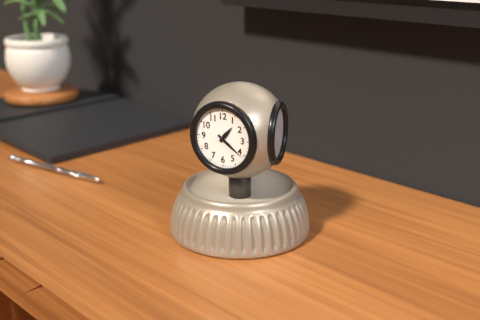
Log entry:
1 h 21 min
